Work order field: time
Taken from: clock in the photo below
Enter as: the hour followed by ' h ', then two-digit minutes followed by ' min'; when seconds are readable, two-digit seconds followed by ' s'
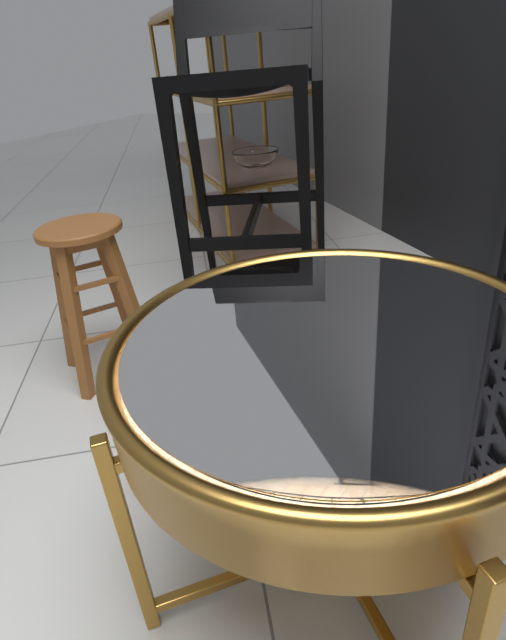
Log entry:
10 h 46 min
